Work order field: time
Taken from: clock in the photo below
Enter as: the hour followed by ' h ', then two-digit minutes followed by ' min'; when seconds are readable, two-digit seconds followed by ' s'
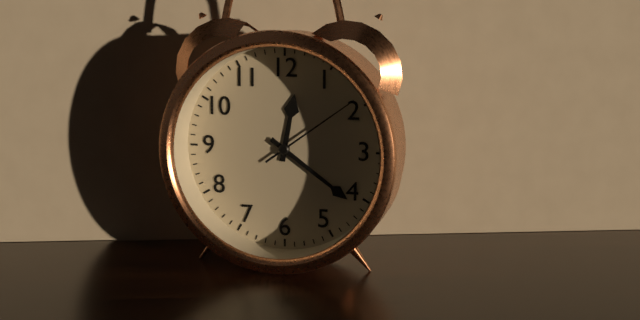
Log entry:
12 h 21 min 09 s
